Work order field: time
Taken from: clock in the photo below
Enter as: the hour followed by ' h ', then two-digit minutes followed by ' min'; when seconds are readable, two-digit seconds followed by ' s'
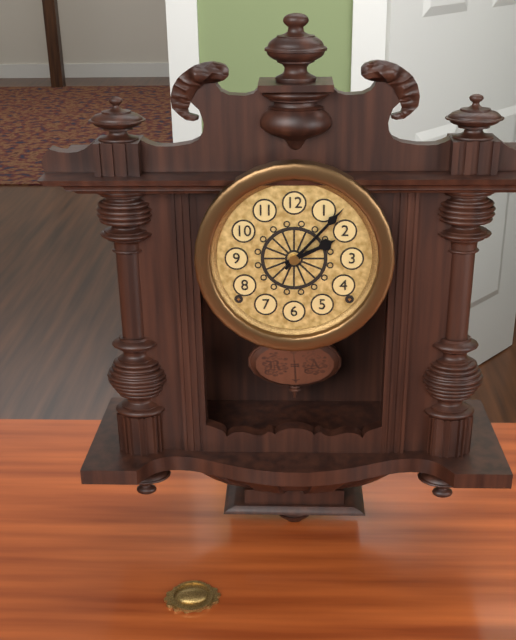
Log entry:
2 h 07 min
